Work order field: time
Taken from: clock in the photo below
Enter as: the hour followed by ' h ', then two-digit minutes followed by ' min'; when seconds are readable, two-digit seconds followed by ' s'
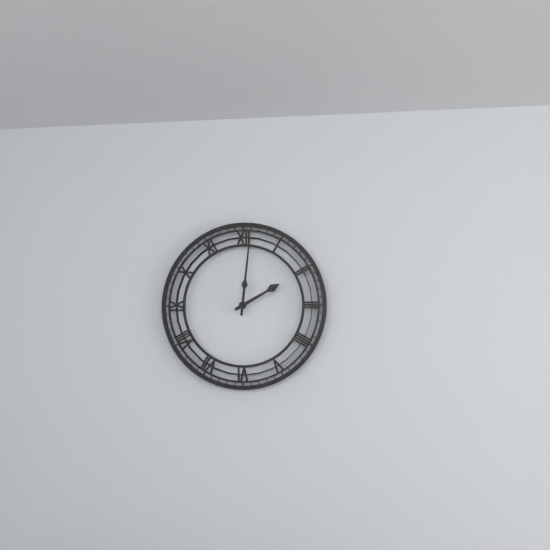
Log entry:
2 h 01 min
